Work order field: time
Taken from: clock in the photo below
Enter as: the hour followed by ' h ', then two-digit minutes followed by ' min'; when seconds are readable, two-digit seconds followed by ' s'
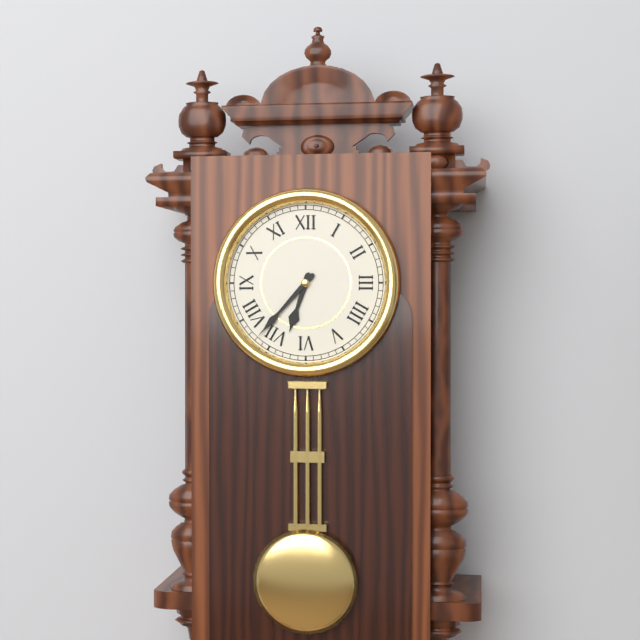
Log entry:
6 h 37 min
